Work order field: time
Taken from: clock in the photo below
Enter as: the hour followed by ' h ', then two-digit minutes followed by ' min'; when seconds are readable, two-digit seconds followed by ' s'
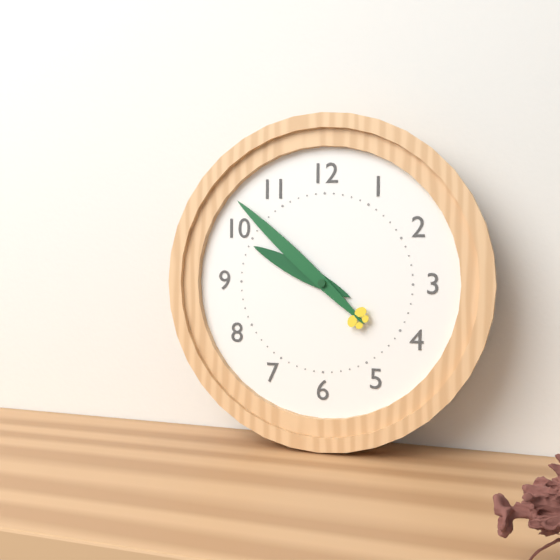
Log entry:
9 h 52 min
